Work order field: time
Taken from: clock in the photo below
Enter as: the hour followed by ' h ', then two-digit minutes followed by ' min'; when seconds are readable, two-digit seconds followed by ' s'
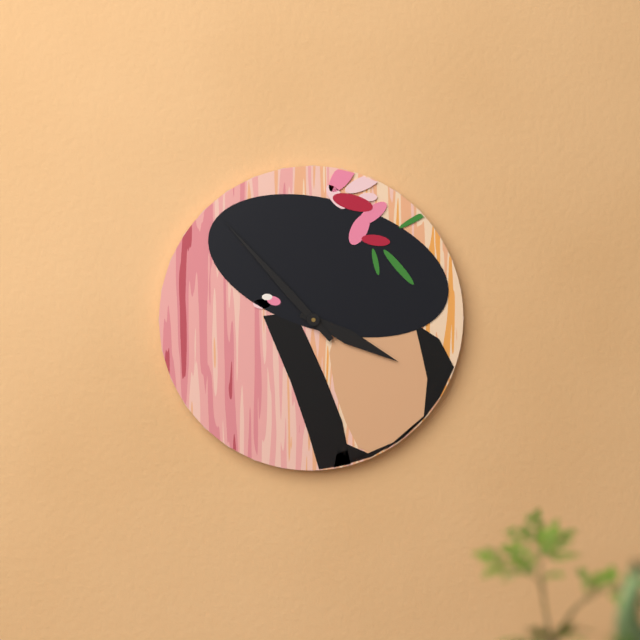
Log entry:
3 h 53 min
